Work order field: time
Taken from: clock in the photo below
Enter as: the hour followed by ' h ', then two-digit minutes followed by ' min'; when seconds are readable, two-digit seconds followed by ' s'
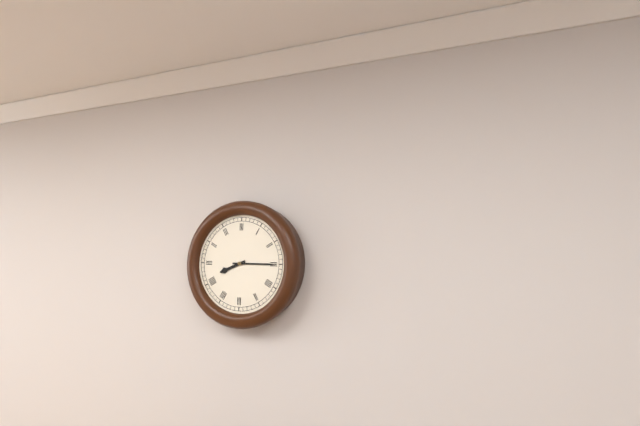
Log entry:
8 h 15 min
